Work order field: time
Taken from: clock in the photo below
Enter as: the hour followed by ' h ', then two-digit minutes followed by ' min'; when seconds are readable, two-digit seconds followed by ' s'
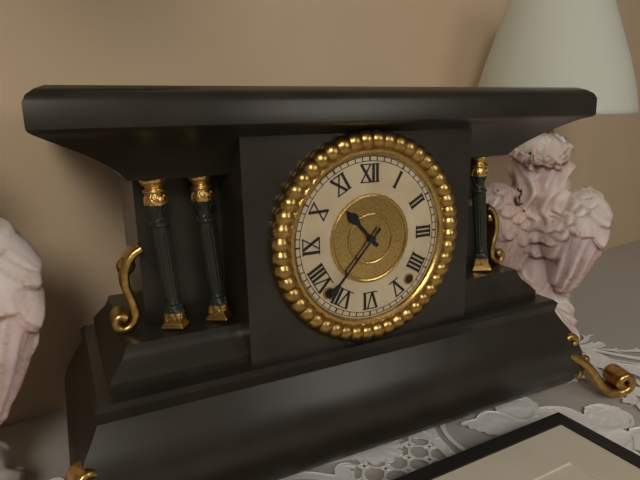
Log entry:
10 h 37 min
